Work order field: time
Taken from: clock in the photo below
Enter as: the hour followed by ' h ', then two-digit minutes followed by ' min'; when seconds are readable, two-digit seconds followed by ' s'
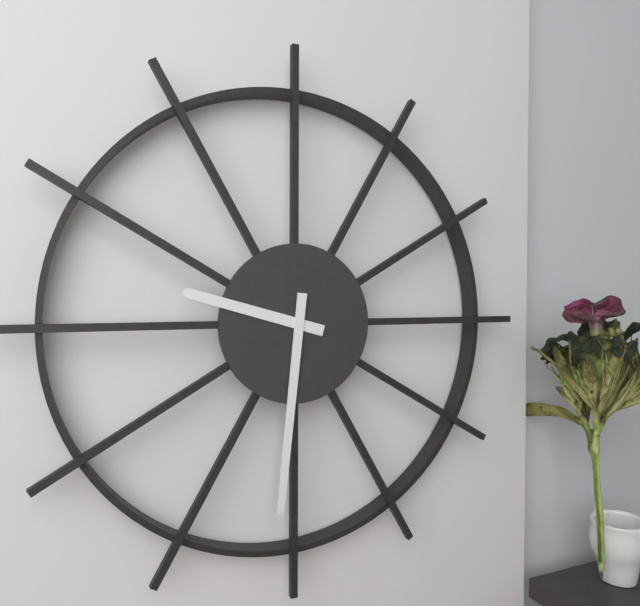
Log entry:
9 h 31 min
